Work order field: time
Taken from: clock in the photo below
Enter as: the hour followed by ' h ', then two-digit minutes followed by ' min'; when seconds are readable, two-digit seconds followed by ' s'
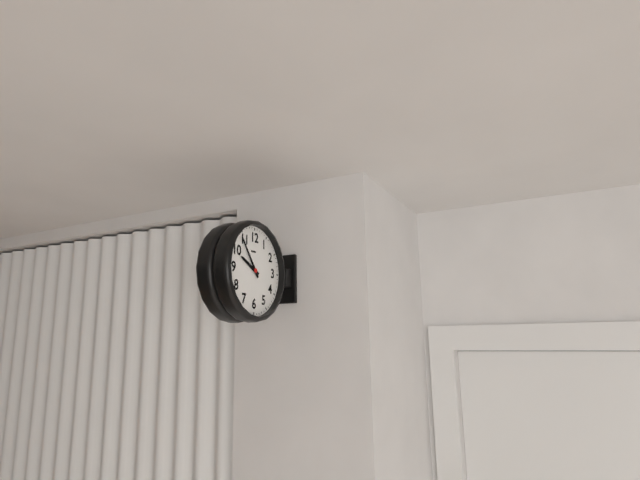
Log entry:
9 h 54 min
